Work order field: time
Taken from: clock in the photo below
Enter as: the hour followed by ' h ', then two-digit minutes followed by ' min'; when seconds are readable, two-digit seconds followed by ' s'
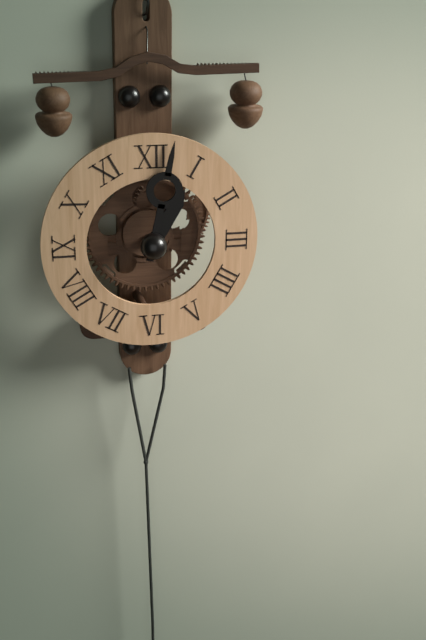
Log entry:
1 h 02 min
